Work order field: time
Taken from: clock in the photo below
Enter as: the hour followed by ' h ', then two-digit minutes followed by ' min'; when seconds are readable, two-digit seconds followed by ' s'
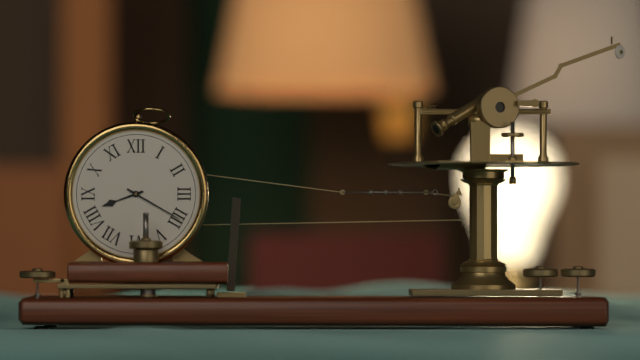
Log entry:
8 h 20 min
